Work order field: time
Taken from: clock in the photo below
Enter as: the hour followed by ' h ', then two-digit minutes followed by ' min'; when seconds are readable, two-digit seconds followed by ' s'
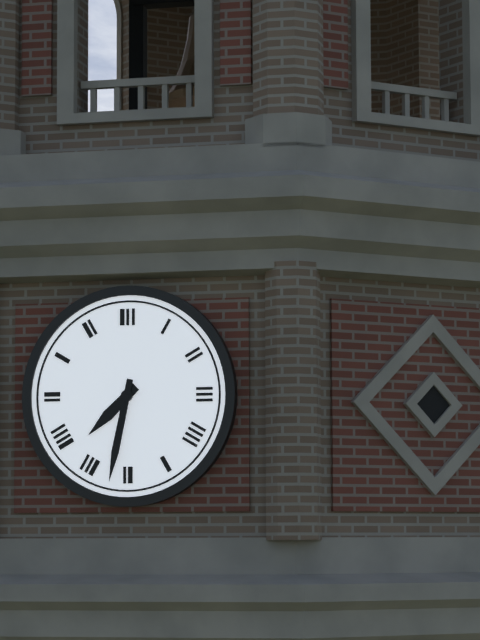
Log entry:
7 h 32 min
